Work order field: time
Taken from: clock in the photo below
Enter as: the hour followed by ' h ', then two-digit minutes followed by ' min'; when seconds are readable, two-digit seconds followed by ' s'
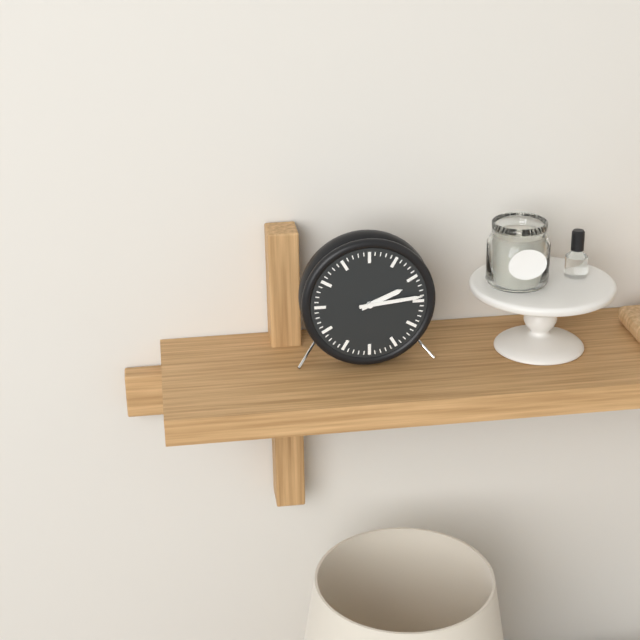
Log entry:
2 h 14 min
